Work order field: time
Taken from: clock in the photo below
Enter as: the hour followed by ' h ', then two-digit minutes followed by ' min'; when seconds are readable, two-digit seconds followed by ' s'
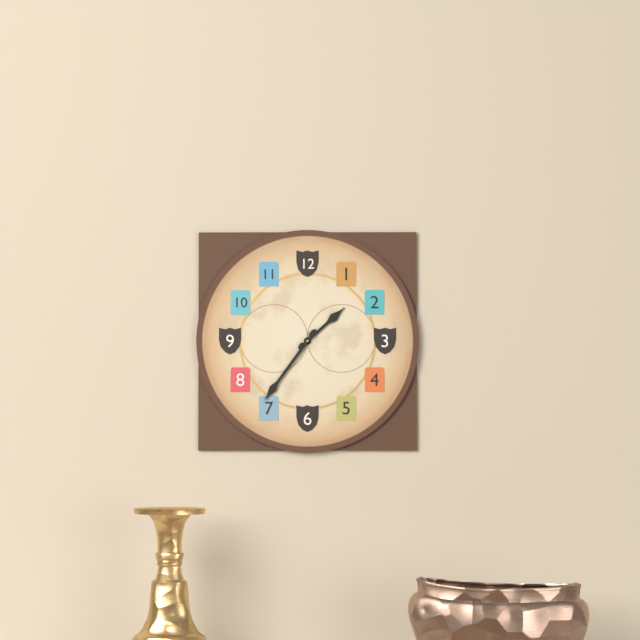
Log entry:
1 h 36 min
